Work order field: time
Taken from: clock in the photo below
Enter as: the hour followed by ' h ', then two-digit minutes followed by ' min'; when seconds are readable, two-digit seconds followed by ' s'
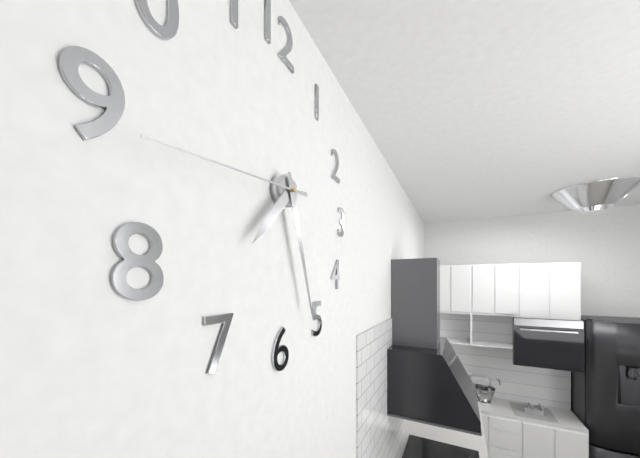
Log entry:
7 h 27 min 44 s
